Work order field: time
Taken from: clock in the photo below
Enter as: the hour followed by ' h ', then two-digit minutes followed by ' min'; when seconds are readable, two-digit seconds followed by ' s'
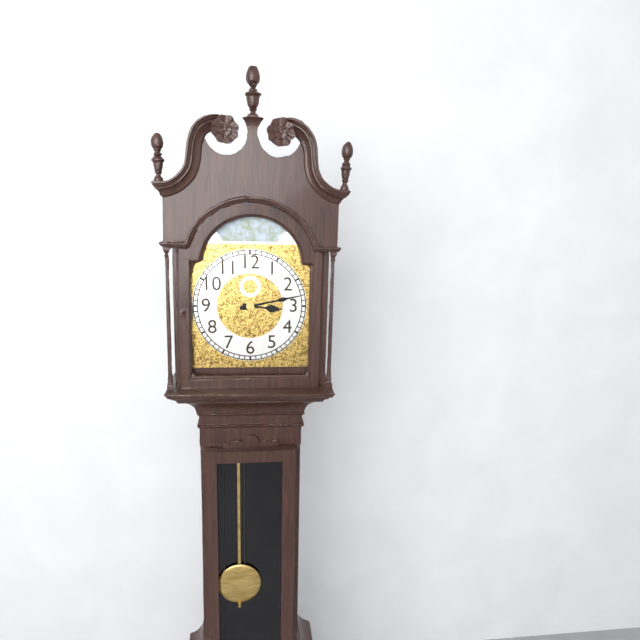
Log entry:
3 h 13 min
